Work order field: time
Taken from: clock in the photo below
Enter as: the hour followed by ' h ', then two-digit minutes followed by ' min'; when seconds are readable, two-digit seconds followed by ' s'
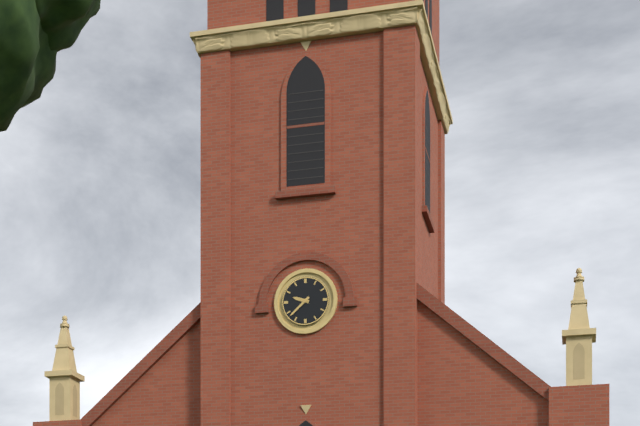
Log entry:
9 h 38 min
